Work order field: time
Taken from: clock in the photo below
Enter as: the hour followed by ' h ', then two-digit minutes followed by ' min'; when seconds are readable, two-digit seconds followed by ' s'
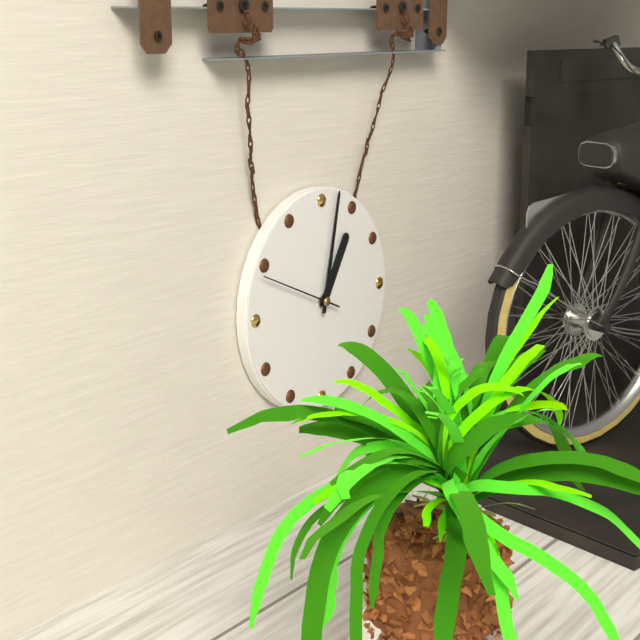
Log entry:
1 h 02 min 49 s
